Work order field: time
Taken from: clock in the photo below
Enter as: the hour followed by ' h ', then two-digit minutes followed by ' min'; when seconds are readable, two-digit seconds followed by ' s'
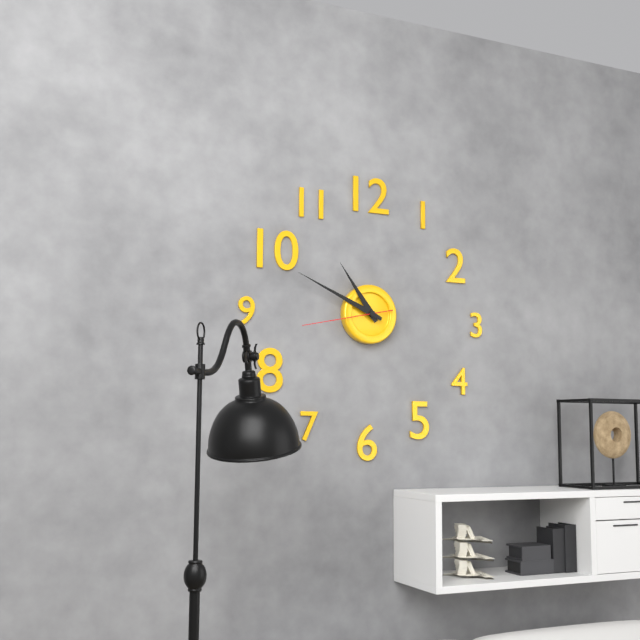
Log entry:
10 h 49 min 43 s
